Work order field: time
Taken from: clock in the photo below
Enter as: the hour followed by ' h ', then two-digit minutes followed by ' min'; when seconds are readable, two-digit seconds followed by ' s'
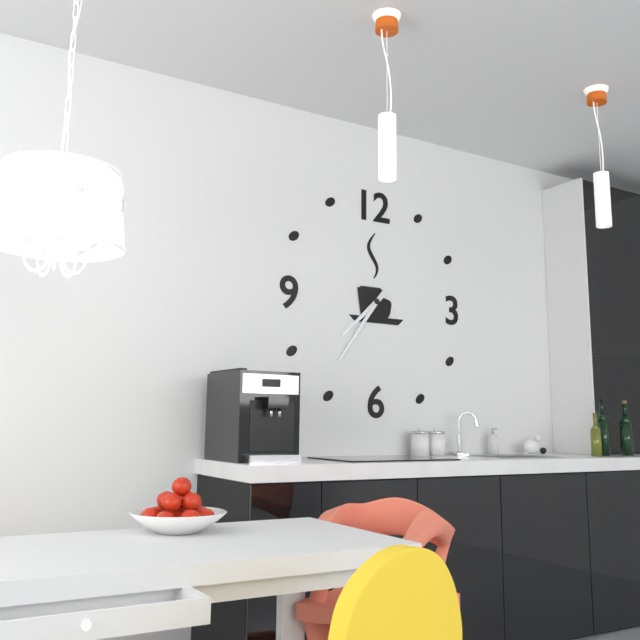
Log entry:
7 h 36 min
